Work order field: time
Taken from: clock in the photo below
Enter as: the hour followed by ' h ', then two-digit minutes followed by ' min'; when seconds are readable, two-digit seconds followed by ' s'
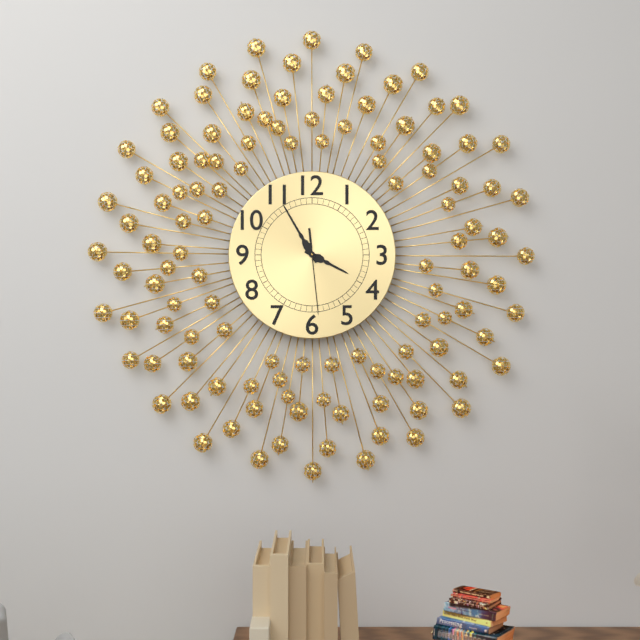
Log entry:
3 h 55 min 29 s
